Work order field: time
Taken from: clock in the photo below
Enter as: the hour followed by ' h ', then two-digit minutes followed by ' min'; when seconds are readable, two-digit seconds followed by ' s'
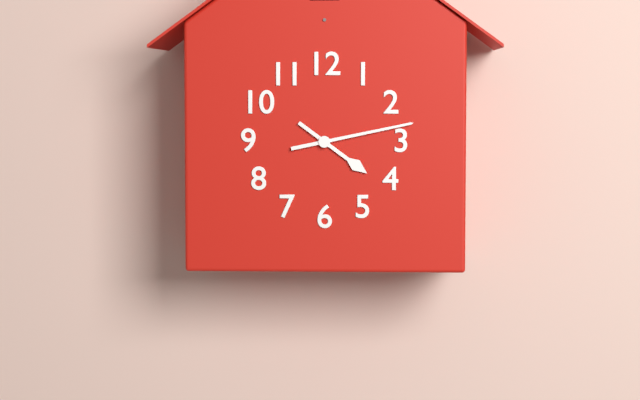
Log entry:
4 h 13 min
